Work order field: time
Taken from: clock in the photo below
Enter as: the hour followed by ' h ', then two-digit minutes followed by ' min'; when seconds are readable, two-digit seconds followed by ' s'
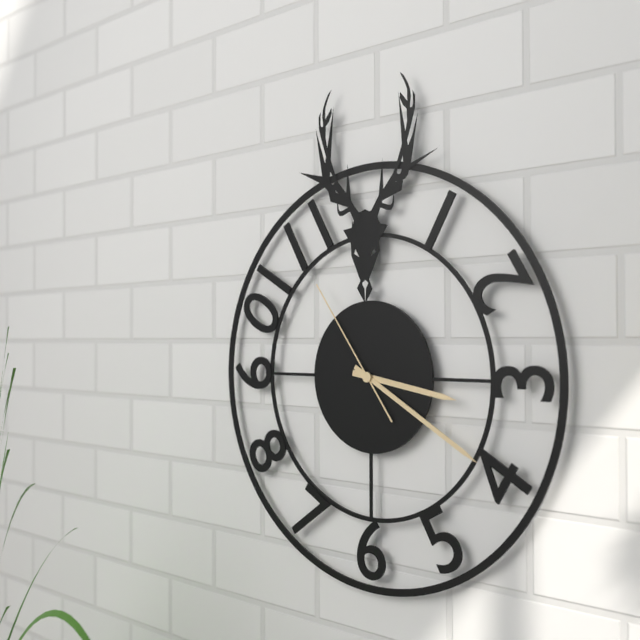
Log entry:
3 h 20 min 54 s
